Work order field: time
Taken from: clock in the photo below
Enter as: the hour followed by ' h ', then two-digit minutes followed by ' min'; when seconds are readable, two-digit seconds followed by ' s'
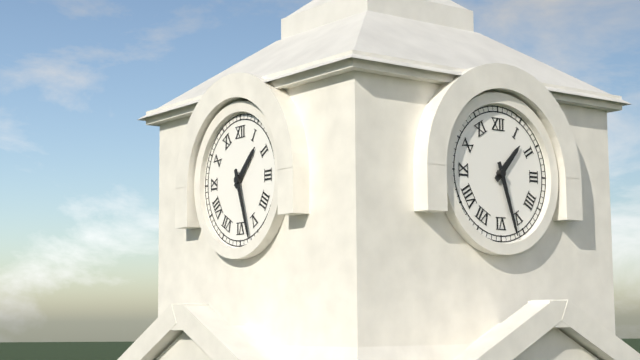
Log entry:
1 h 27 min
